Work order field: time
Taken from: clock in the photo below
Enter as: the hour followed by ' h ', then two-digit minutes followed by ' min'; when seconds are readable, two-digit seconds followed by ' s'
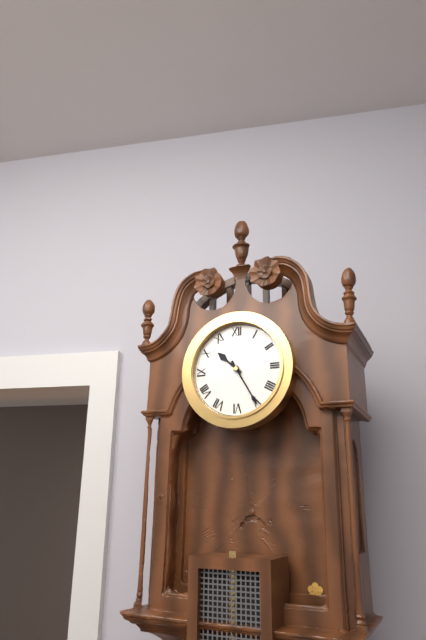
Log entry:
10 h 25 min
